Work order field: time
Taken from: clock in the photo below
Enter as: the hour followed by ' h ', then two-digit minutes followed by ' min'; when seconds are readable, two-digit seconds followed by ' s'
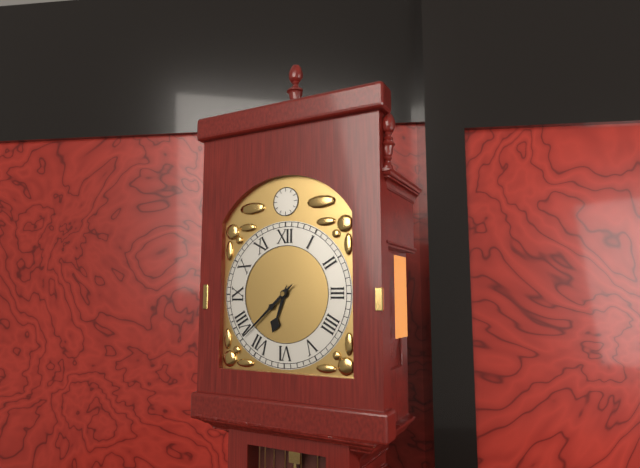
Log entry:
6 h 38 min
